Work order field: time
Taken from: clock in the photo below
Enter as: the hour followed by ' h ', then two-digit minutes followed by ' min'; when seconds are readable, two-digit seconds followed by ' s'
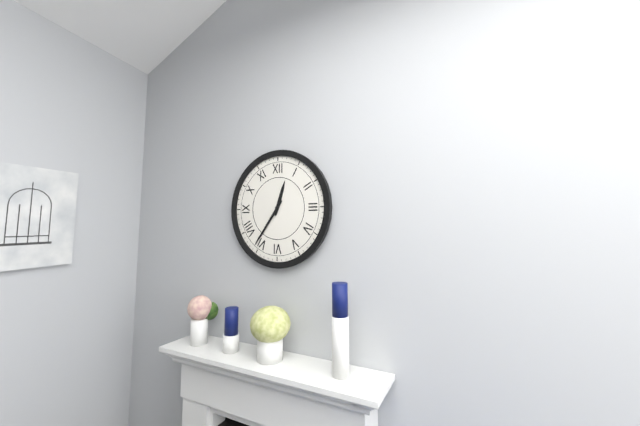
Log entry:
12 h 36 min
